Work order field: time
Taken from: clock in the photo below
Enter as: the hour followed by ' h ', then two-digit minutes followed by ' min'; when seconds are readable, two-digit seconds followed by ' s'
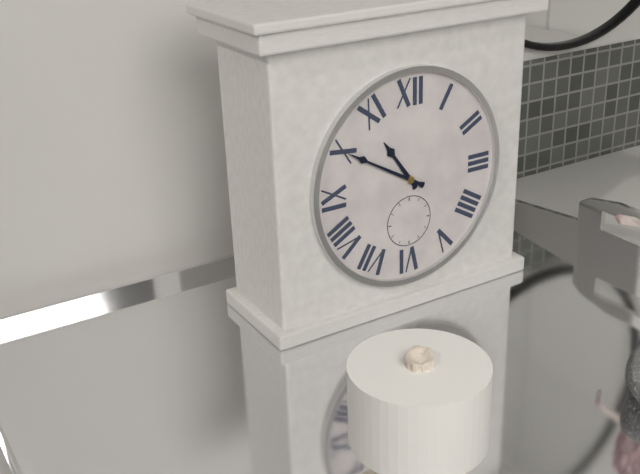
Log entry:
10 h 50 min
